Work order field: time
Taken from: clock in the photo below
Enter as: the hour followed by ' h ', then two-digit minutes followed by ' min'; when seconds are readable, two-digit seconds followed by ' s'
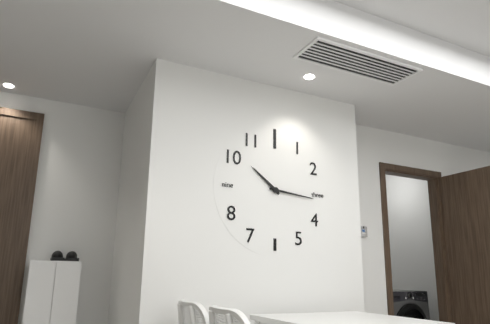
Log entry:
10 h 16 min
